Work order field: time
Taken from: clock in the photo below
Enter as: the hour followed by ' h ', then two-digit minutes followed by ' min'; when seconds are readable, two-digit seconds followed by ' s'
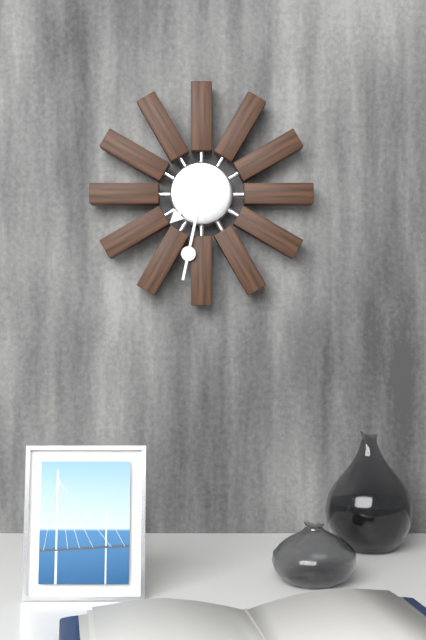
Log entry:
7 h 32 min
